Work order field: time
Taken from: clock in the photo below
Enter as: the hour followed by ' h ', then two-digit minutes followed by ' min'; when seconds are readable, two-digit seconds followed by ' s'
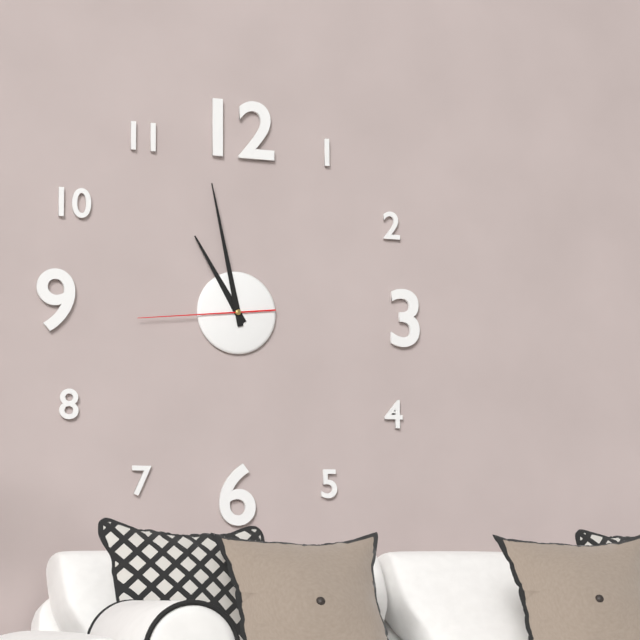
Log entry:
10 h 58 min 44 s
